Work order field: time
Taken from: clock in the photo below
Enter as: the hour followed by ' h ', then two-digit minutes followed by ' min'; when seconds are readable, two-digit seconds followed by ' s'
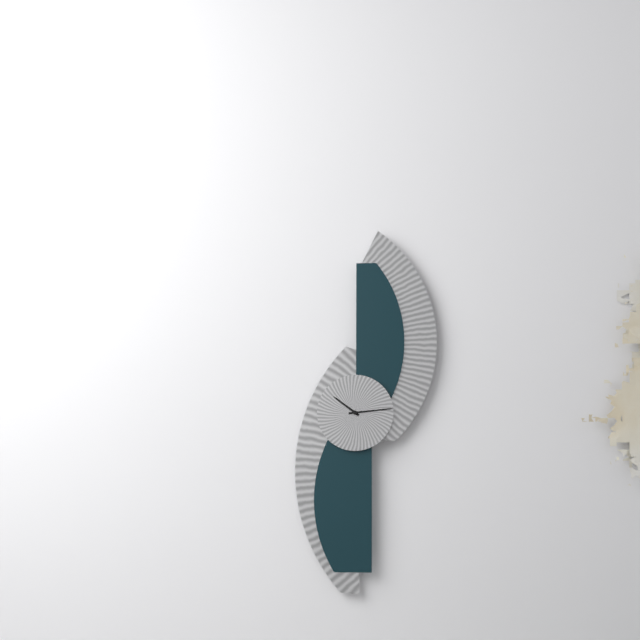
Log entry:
10 h 14 min
